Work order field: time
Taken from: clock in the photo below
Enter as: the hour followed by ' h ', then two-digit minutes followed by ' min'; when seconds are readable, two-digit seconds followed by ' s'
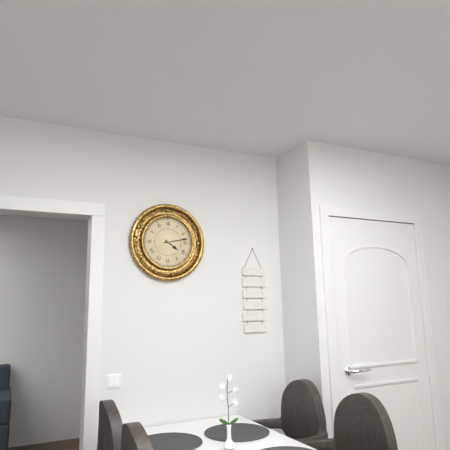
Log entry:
4 h 13 min
